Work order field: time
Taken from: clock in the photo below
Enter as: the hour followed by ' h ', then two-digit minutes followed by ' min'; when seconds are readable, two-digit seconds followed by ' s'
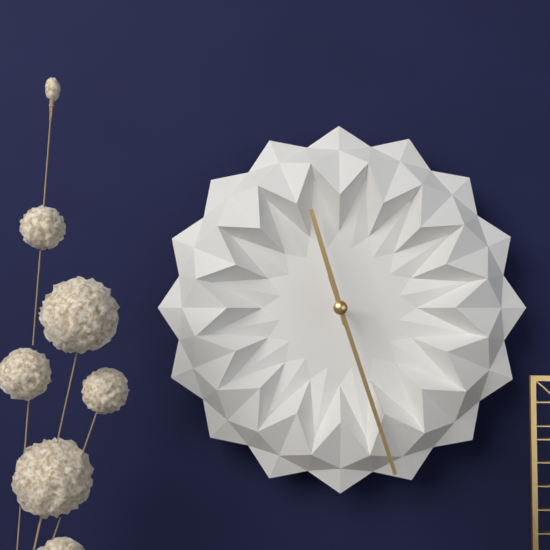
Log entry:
11 h 27 min
